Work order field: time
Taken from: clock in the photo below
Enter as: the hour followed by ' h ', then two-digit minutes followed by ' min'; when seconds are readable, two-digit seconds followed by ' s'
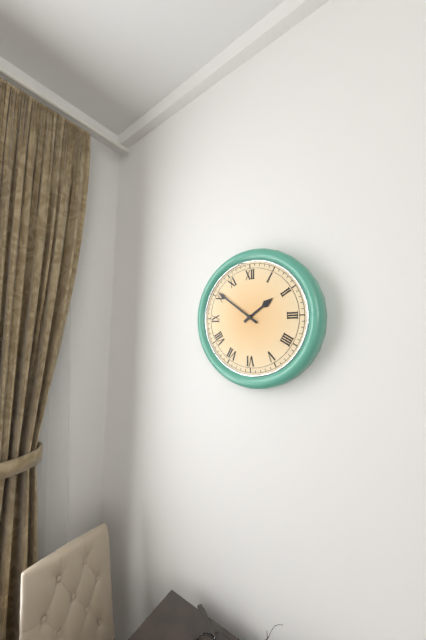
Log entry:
1 h 51 min
